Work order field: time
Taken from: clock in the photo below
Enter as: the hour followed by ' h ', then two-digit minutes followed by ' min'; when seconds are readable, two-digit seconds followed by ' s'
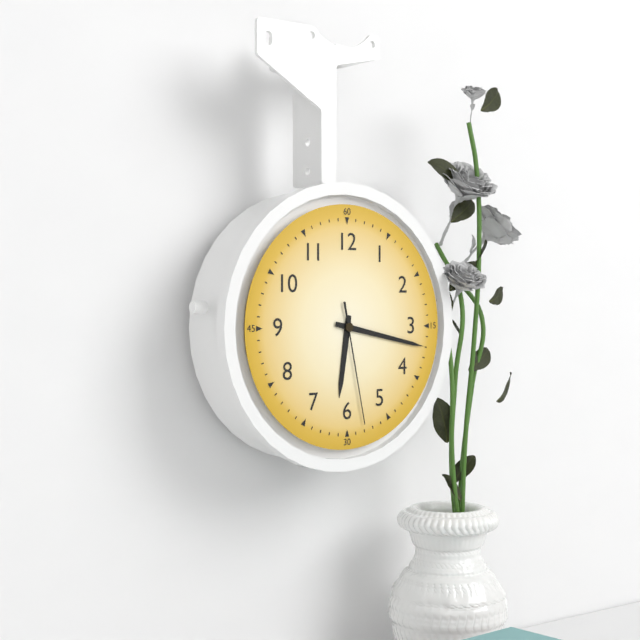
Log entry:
6 h 17 min 28 s
